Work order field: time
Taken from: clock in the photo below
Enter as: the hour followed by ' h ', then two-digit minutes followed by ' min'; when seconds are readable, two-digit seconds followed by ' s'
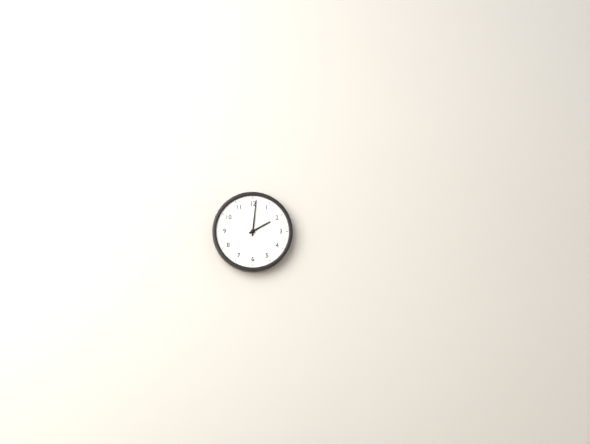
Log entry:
2 h 01 min
